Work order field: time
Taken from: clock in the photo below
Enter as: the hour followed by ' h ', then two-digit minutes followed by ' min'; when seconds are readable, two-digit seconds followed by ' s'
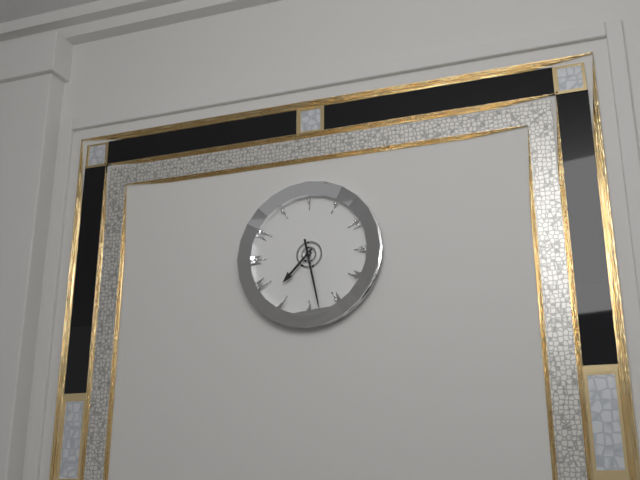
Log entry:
7 h 28 min
